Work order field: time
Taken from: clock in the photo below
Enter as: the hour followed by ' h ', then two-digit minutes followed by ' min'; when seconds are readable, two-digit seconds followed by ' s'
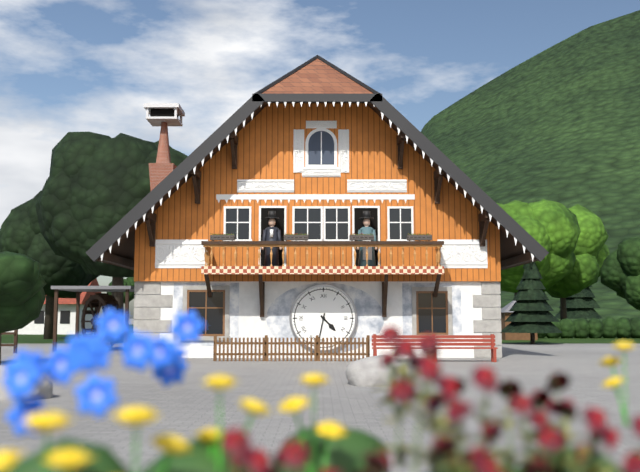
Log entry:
4 h 32 min
